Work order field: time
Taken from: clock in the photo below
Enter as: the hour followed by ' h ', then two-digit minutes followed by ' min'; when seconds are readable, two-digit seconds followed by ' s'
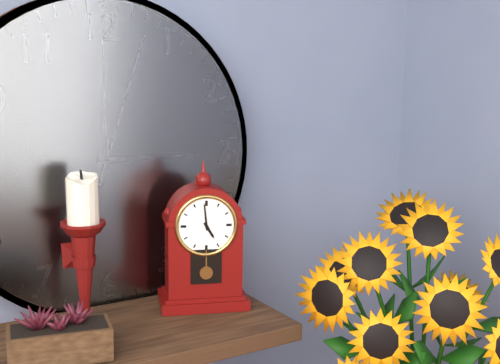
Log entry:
4 h 59 min
